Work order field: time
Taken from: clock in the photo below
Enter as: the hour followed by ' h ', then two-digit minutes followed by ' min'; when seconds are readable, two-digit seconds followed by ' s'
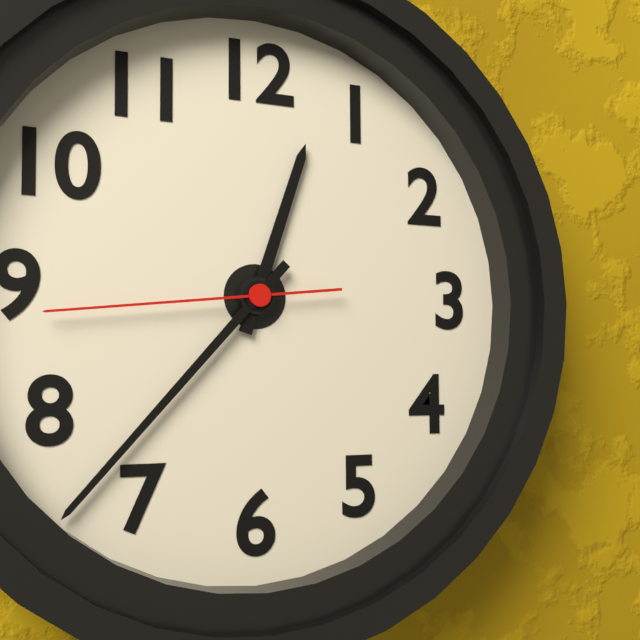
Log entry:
12 h 37 min 44 s
